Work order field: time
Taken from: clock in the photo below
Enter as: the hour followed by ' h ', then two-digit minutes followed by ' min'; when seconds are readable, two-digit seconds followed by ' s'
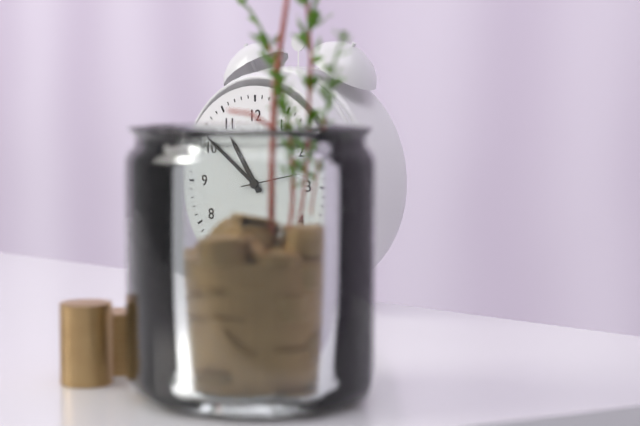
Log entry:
10 h 51 min 13 s
